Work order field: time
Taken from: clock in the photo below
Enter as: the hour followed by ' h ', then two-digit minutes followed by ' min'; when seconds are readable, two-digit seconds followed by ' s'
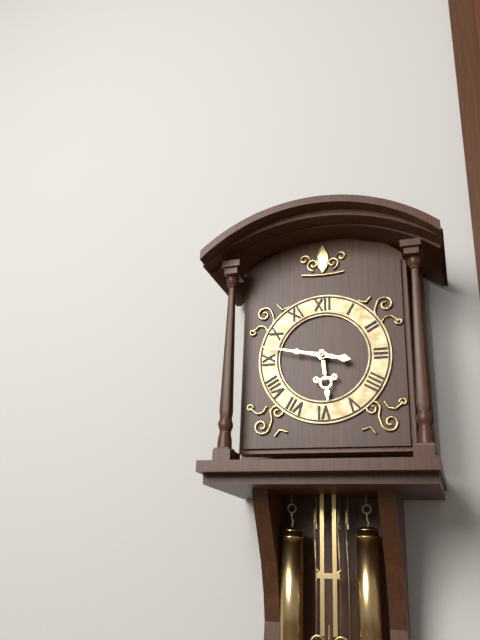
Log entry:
5 h 47 min
